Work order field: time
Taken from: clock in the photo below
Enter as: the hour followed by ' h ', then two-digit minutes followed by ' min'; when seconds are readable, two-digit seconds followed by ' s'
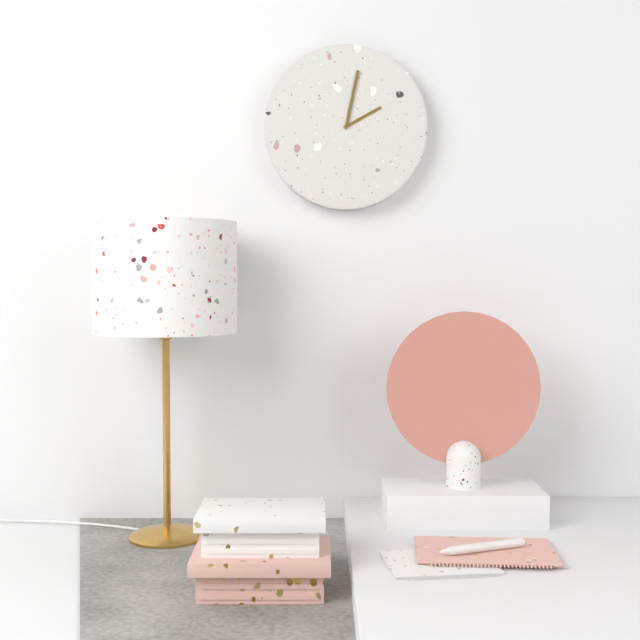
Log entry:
2 h 02 min
